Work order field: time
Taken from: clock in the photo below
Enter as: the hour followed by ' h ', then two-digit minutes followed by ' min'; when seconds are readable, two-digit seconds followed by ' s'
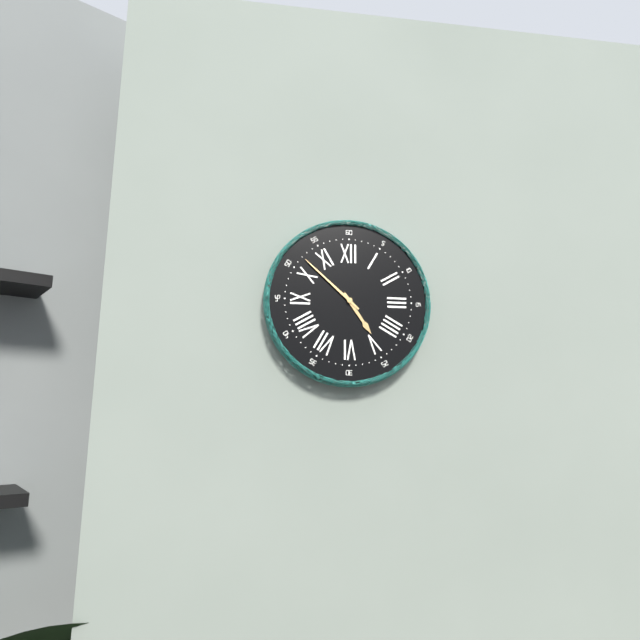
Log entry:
4 h 52 min
